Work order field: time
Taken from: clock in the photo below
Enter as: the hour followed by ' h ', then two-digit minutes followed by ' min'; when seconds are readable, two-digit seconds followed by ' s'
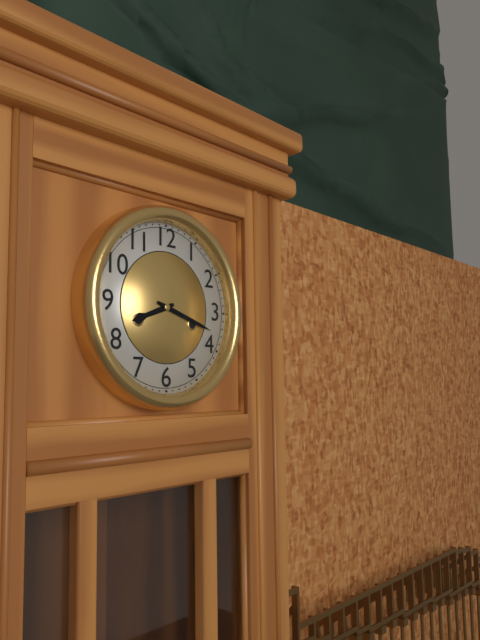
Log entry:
8 h 18 min
